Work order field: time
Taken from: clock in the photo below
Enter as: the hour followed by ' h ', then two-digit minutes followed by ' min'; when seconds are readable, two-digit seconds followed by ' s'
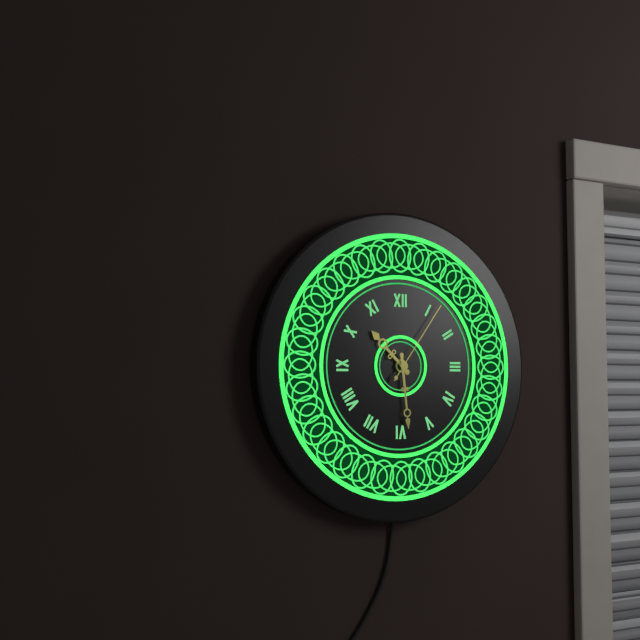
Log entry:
10 h 29 min 06 s
